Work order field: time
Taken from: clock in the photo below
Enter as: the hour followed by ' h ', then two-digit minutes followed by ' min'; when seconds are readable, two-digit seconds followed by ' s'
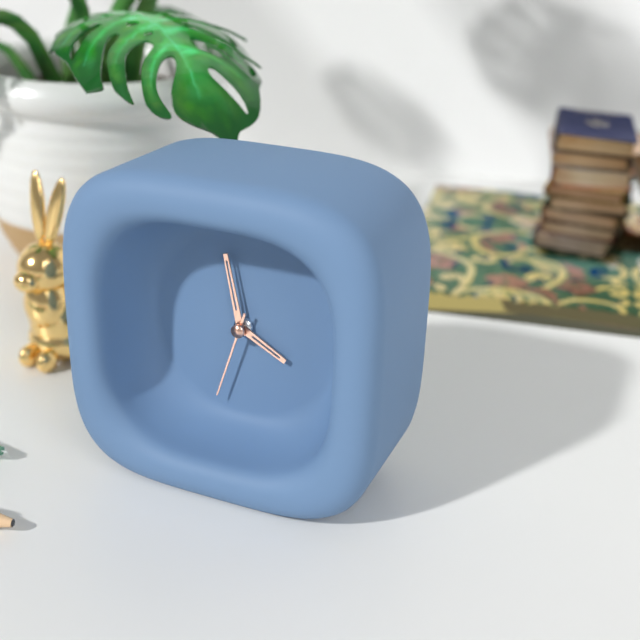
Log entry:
3 h 58 min 33 s
